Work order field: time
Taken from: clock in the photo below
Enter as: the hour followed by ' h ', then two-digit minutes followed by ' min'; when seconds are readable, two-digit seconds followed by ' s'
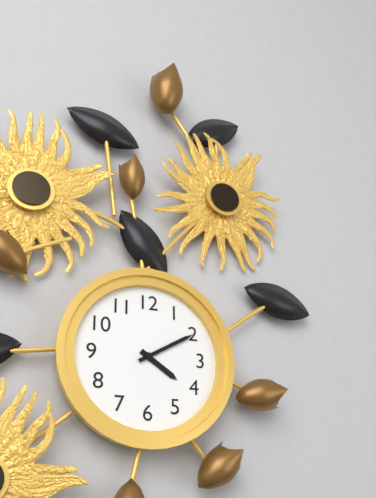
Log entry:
4 h 10 min
